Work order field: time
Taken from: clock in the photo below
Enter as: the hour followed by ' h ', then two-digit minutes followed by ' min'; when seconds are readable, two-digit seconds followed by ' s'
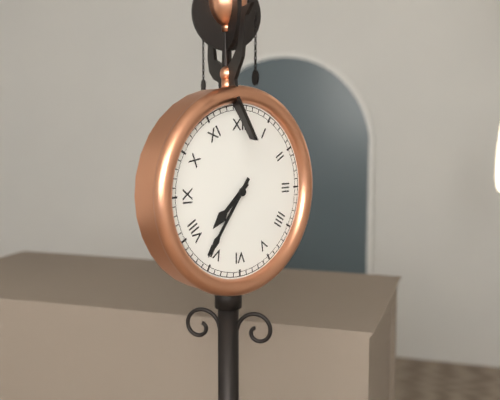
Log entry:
7 h 36 min
